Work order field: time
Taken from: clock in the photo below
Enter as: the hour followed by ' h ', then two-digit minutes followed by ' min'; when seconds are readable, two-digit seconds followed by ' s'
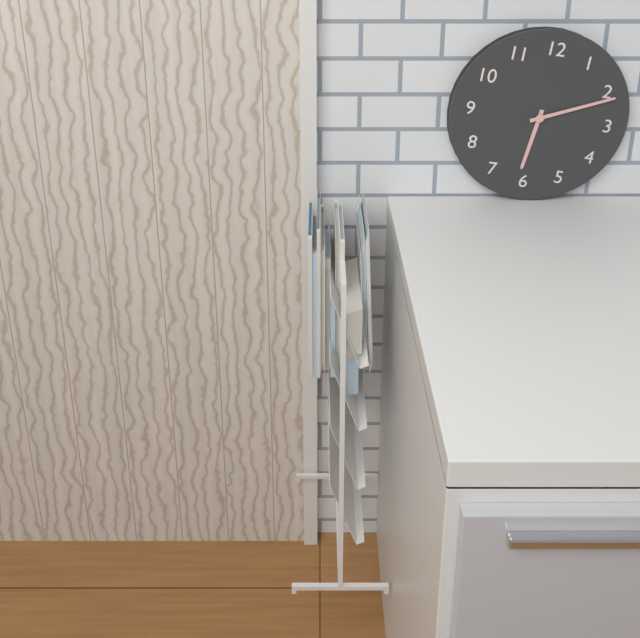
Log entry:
6 h 11 min
